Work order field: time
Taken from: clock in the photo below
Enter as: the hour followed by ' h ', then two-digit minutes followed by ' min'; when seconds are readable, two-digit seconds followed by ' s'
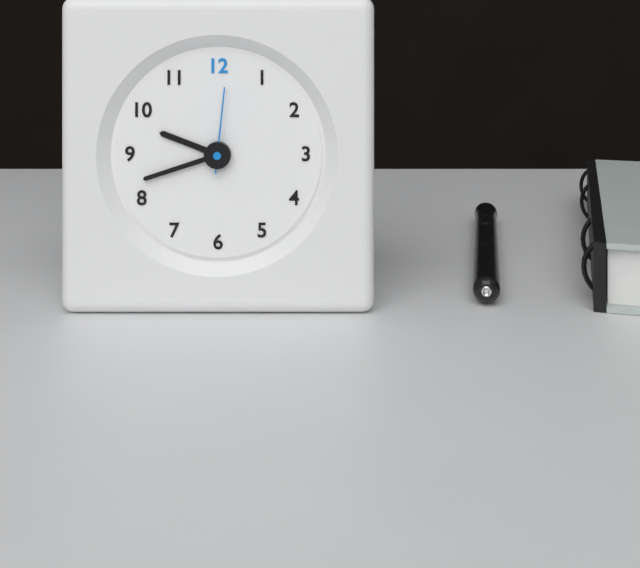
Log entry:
9 h 42 min 01 s
